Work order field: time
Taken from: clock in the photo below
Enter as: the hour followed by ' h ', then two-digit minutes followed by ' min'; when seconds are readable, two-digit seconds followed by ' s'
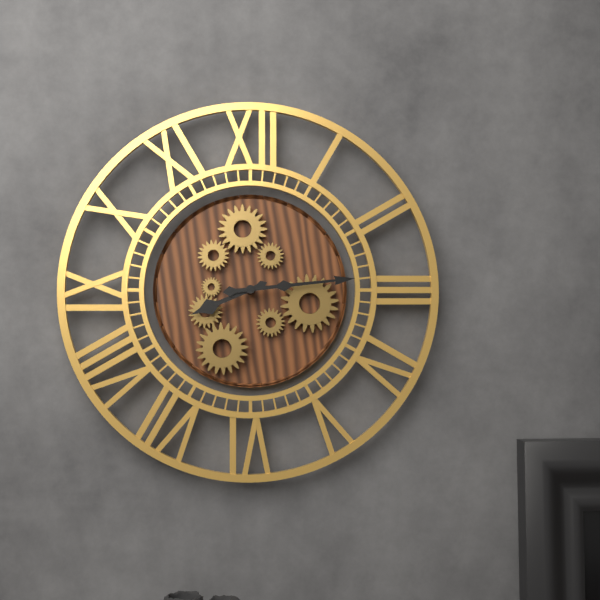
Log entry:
8 h 14 min
